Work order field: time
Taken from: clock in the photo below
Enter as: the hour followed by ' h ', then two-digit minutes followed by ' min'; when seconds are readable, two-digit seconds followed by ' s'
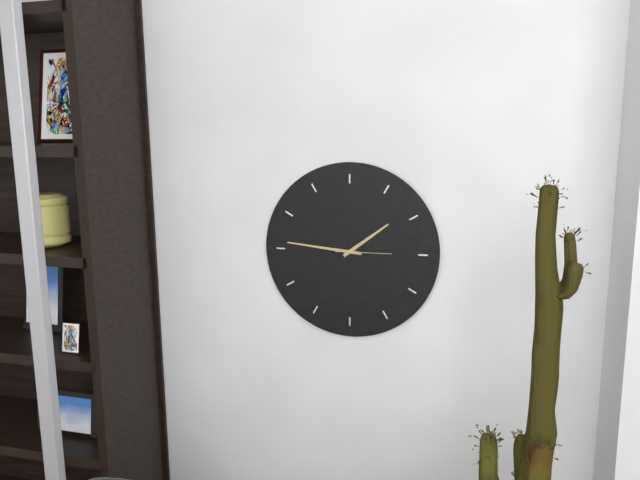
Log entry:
1 h 46 min 15 s
